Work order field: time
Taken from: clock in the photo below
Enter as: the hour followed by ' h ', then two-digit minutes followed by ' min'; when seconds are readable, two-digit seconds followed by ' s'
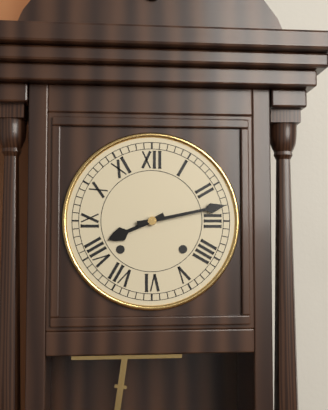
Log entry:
8 h 13 min
